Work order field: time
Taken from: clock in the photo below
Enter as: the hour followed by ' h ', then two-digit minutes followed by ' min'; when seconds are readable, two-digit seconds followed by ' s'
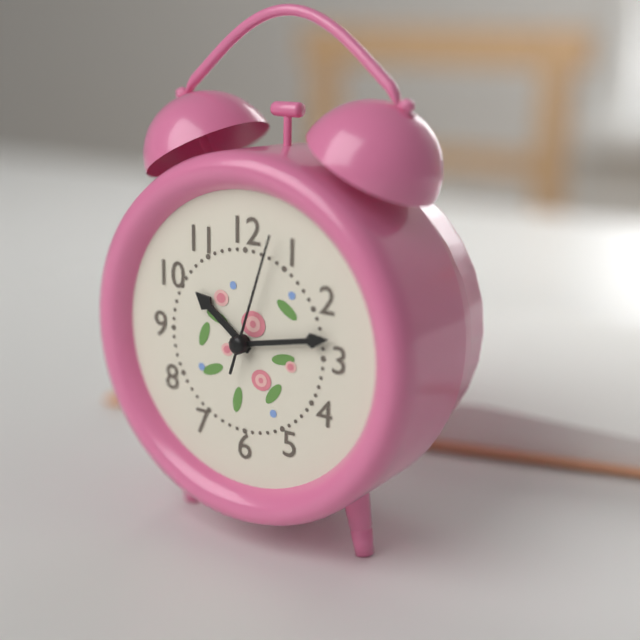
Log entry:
10 h 13 min 03 s
